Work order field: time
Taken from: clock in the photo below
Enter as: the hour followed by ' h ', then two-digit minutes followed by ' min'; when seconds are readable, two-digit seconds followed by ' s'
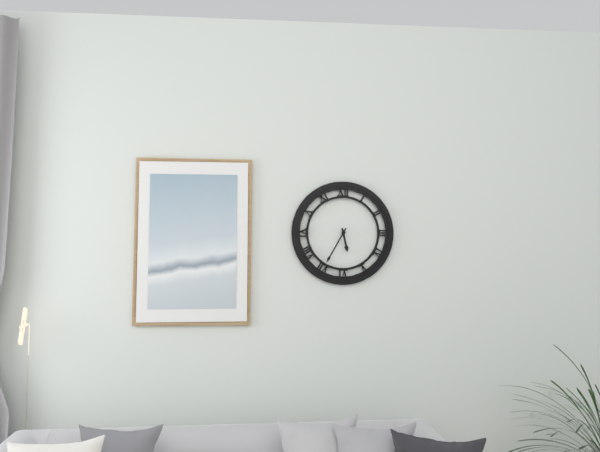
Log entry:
5 h 35 min
